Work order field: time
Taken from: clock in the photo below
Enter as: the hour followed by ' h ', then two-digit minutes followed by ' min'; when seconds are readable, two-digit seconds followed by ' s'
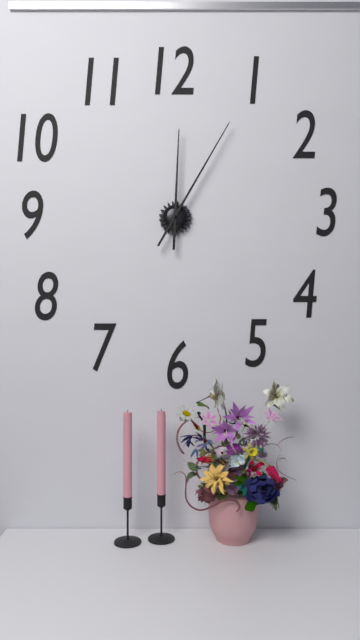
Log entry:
12 h 05 min
